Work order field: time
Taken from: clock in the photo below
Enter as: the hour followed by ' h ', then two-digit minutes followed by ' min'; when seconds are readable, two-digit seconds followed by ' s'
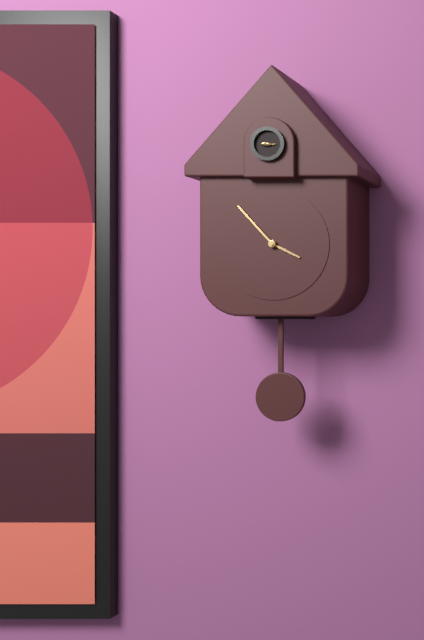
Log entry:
3 h 53 min
